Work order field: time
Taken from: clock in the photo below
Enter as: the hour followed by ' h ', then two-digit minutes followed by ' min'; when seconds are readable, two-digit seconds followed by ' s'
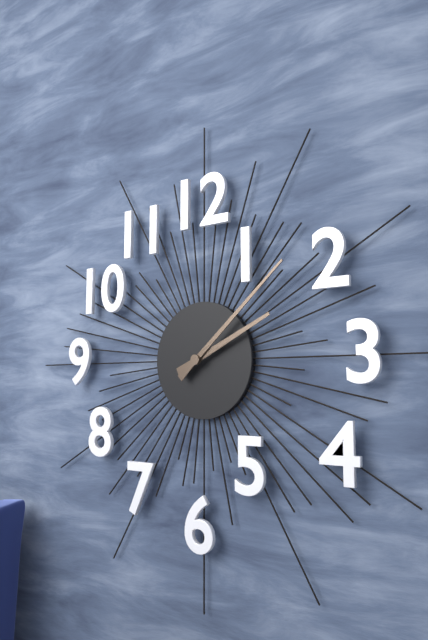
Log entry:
2 h 08 min
